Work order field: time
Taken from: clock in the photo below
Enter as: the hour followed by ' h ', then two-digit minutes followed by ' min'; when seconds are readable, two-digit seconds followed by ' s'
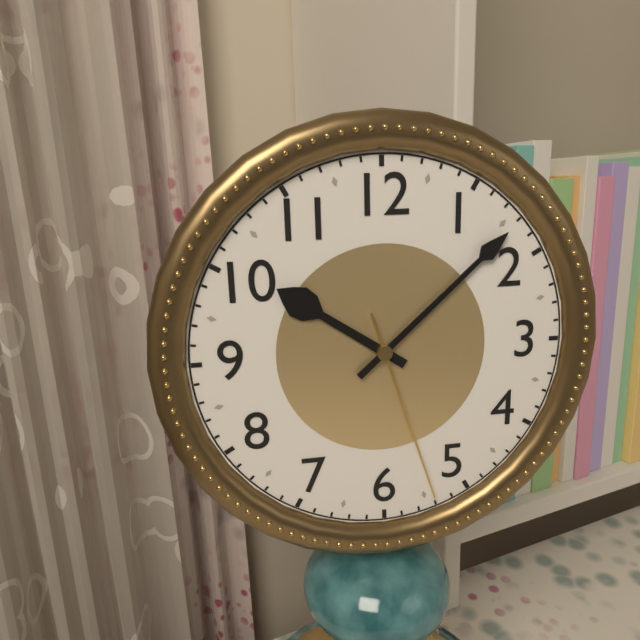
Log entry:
10 h 08 min 27 s
